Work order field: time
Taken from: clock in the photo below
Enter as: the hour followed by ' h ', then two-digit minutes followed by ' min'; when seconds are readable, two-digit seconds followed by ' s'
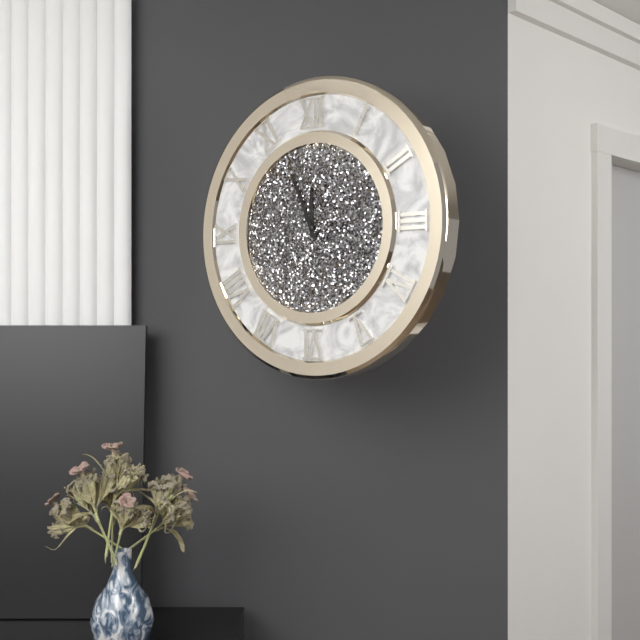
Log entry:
11 h 56 min
